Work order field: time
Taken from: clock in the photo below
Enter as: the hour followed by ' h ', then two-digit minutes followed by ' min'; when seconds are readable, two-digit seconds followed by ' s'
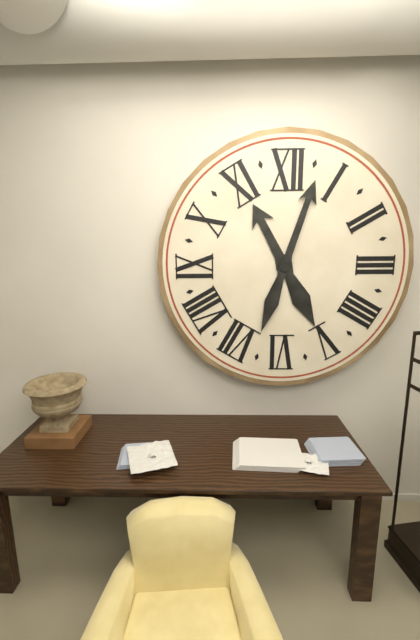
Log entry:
11 h 03 min
